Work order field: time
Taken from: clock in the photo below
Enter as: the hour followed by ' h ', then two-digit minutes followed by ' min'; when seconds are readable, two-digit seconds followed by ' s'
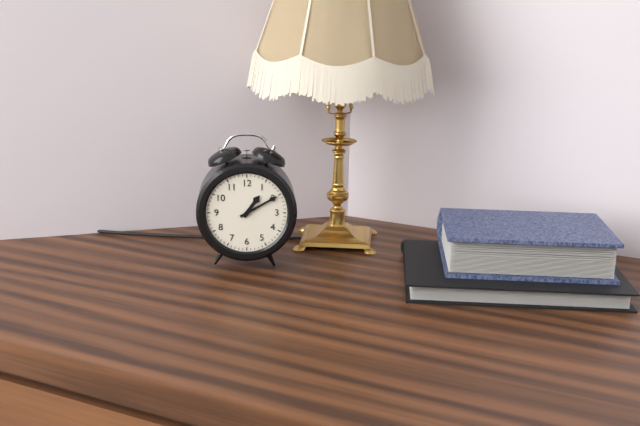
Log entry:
1 h 10 min
